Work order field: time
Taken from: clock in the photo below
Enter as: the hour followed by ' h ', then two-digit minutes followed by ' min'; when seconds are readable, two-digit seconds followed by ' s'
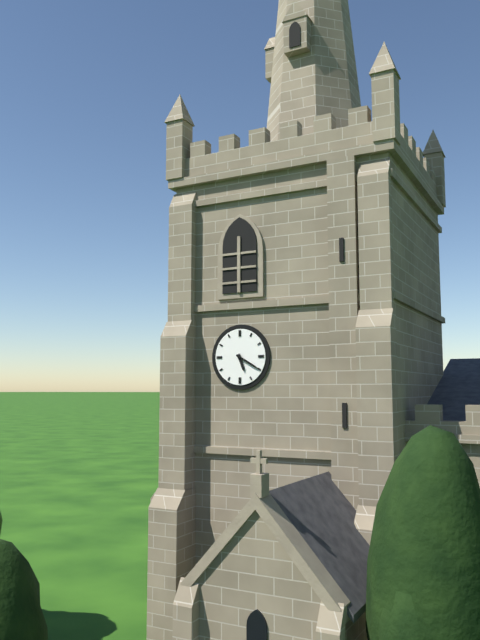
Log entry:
5 h 20 min
